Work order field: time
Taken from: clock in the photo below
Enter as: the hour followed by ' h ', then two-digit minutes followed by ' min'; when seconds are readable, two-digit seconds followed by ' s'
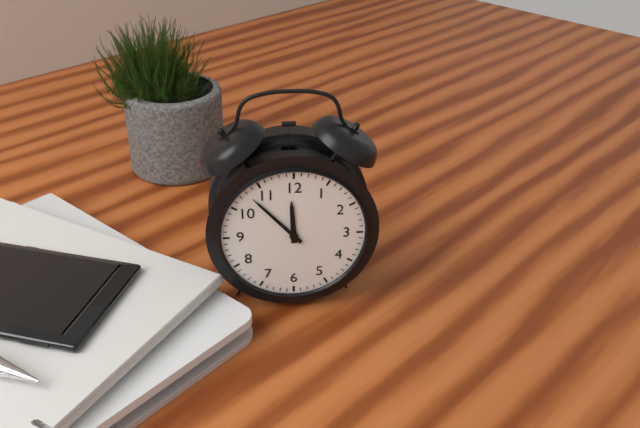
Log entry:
11 h 53 min
